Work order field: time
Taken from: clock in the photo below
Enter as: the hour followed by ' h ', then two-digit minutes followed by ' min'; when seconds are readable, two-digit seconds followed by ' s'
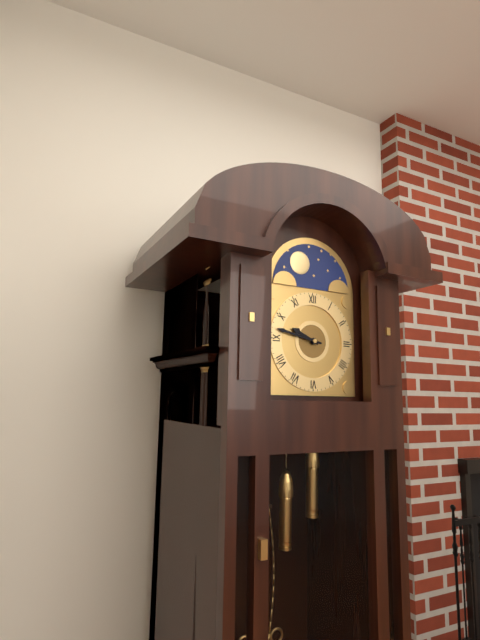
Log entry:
9 h 47 min
